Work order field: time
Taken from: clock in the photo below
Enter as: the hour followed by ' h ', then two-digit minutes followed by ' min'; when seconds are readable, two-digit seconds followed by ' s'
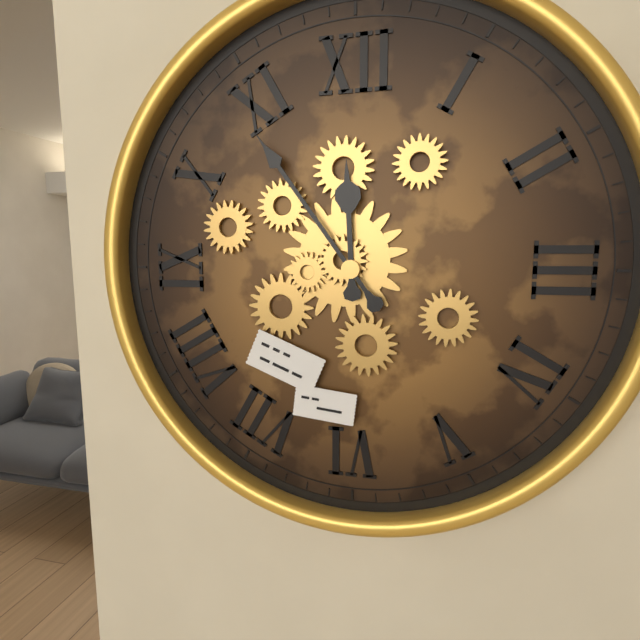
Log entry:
11 h 54 min
